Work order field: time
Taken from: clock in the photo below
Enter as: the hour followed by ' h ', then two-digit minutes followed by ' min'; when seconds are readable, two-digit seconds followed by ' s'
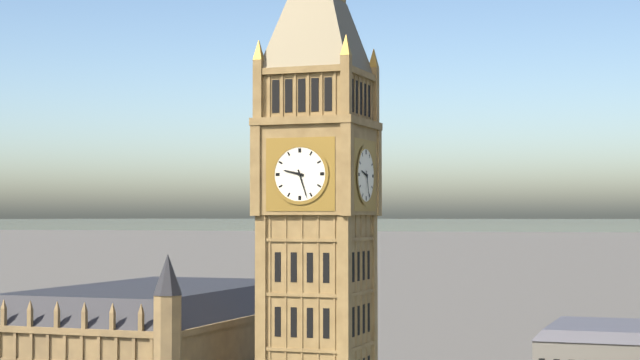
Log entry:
9 h 27 min
